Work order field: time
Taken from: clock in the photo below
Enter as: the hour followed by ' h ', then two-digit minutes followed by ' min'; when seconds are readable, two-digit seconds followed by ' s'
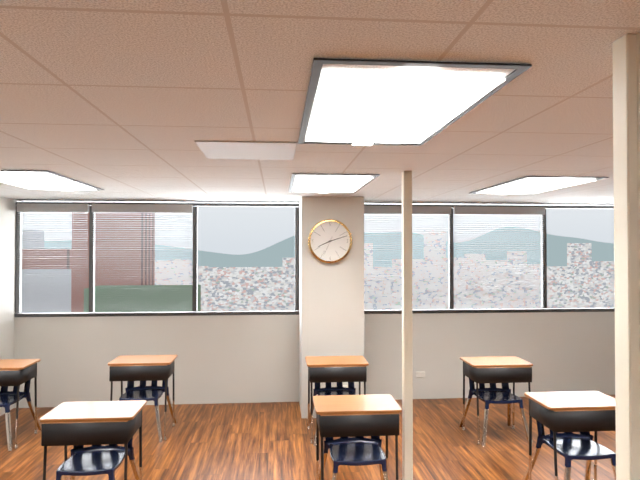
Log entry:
8 h 12 min
